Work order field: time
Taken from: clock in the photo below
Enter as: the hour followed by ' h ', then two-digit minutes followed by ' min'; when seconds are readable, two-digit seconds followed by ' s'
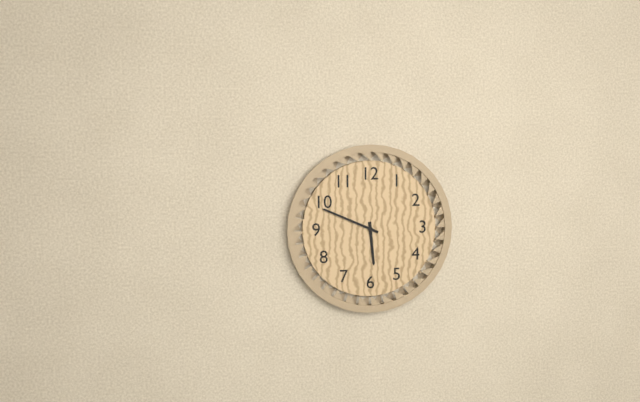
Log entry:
5 h 49 min
